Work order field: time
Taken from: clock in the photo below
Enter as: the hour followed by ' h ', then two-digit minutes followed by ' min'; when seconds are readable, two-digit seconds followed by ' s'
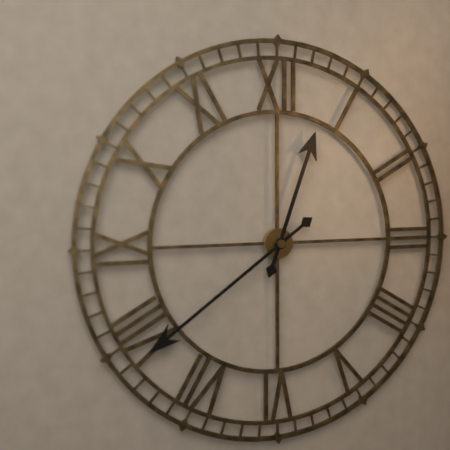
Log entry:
12 h 39 min
